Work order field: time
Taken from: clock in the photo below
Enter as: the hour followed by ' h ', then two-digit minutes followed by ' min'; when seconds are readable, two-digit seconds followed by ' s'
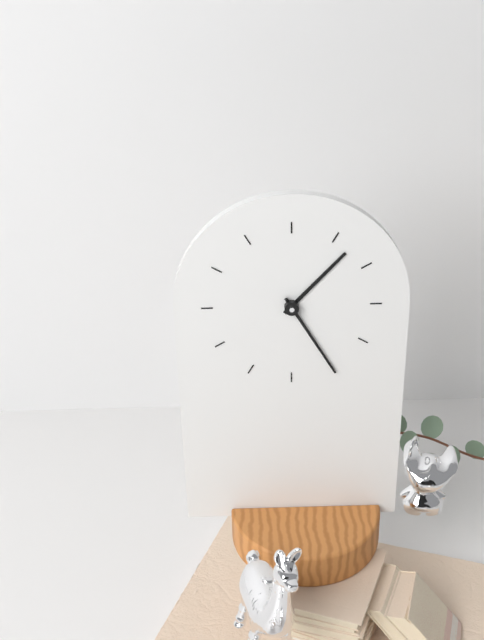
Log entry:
1 h 25 min
